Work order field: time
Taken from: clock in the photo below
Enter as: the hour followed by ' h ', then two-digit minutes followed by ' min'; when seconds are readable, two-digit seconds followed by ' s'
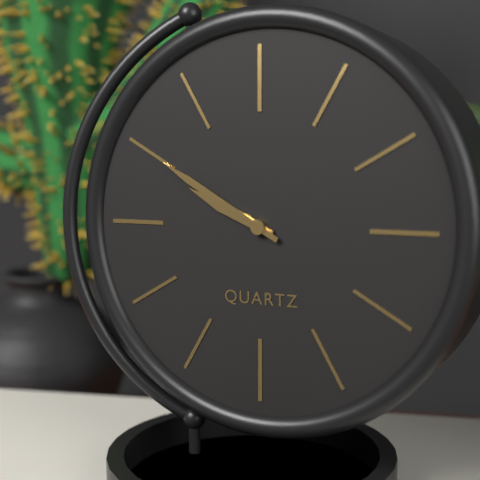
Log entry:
9 h 50 min
